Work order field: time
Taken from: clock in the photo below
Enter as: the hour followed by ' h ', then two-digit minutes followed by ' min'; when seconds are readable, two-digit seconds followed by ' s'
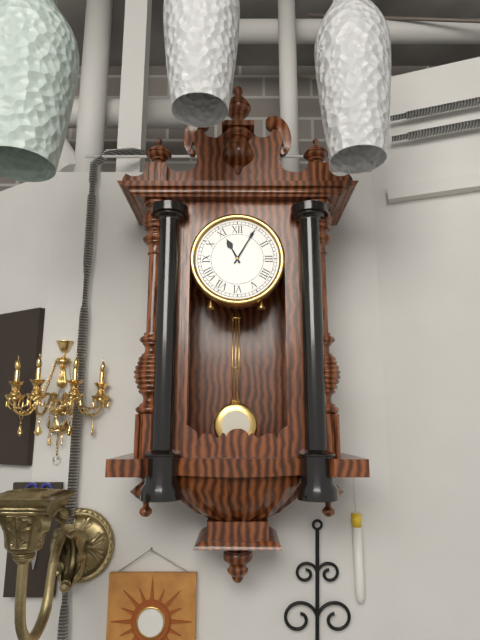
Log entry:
11 h 05 min
